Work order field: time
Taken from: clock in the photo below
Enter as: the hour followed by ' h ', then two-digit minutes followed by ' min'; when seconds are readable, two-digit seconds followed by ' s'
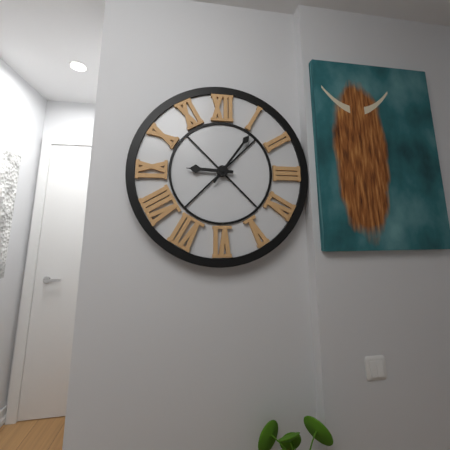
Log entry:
9 h 06 min
